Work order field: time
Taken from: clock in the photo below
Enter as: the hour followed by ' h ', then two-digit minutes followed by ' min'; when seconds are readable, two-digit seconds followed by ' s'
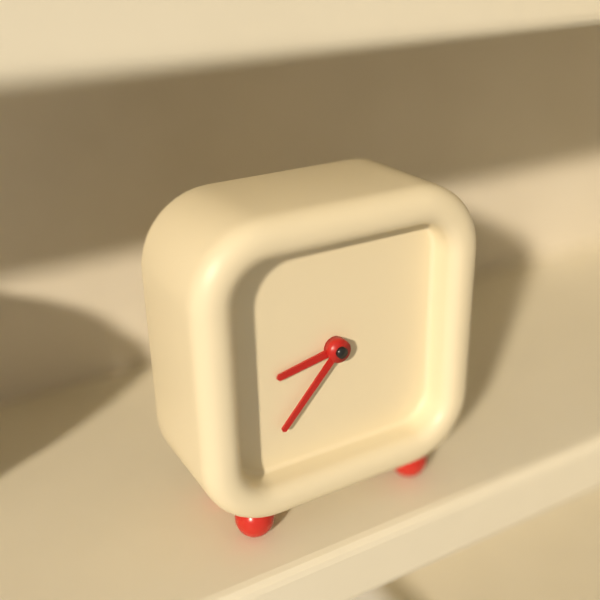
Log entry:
8 h 37 min
